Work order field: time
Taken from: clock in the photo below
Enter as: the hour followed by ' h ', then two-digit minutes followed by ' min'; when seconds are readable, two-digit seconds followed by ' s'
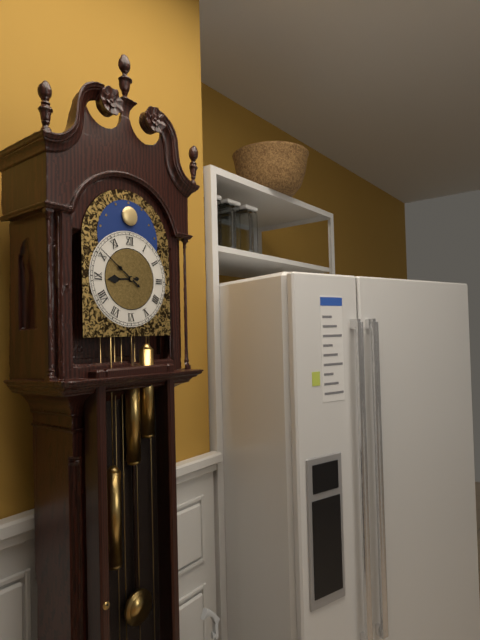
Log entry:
8 h 51 min
